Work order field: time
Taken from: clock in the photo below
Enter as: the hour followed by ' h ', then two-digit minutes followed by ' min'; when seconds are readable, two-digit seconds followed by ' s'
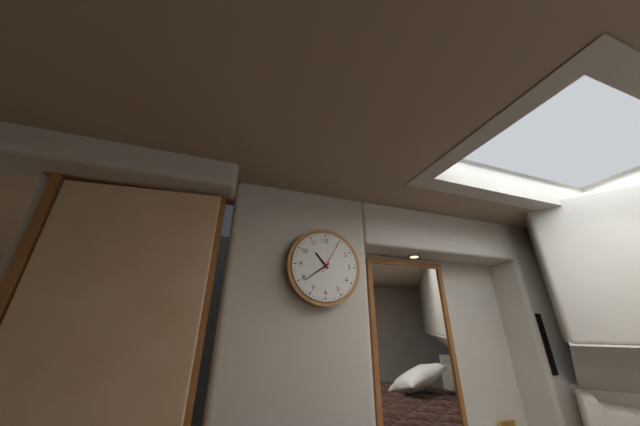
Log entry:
10 h 39 min
